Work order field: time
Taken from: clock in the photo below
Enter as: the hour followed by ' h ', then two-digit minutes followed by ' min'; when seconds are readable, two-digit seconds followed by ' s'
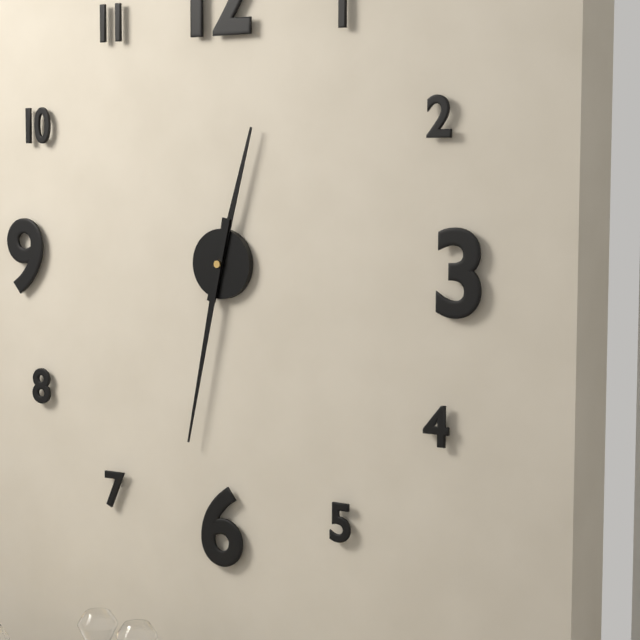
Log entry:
12 h 32 min
